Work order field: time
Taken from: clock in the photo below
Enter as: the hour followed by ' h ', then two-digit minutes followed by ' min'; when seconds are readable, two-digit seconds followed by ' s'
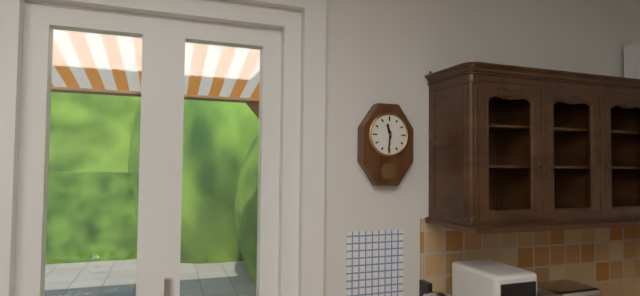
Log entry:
11 h 31 min
